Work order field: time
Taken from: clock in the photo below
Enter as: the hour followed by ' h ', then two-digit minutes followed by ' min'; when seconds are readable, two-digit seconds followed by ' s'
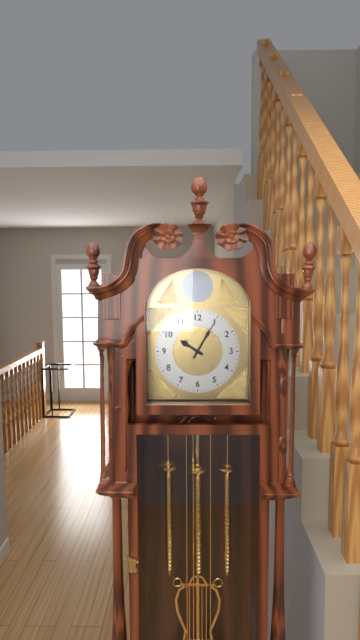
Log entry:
10 h 05 min
